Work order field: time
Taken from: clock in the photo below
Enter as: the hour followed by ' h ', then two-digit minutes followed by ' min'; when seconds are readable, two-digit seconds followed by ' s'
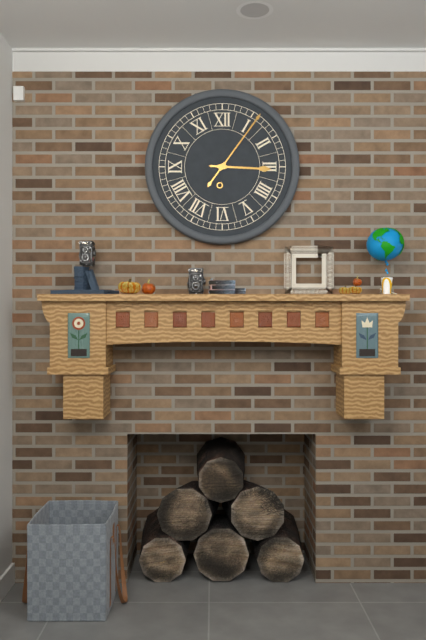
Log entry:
3 h 06 min
